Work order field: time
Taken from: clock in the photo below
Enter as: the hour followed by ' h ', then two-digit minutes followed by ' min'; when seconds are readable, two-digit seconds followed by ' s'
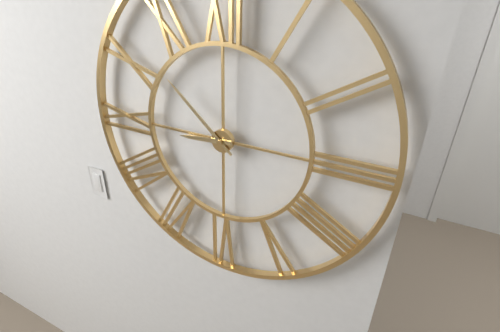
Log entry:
8 h 52 min
